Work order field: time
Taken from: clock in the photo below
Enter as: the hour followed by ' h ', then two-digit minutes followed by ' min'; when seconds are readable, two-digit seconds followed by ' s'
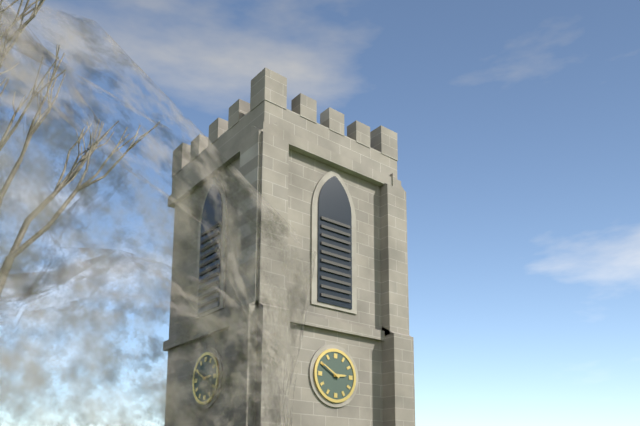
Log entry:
2 h 50 min
